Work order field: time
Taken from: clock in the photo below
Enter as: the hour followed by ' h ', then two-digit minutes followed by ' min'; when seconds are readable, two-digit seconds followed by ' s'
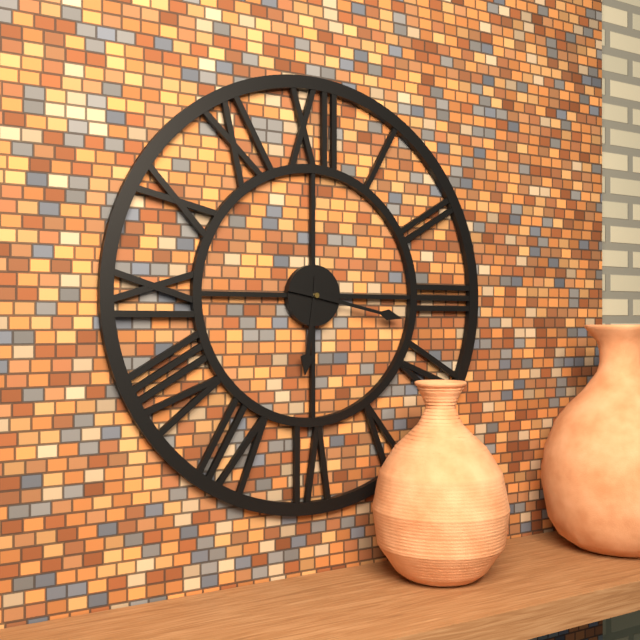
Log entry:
6 h 17 min
